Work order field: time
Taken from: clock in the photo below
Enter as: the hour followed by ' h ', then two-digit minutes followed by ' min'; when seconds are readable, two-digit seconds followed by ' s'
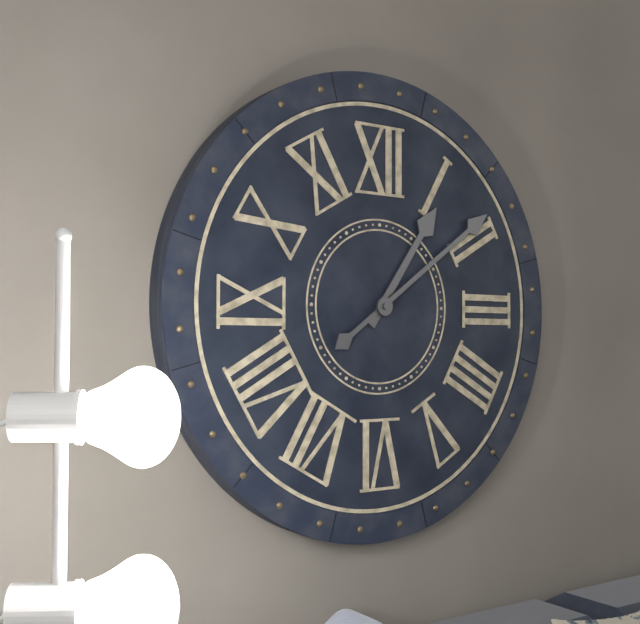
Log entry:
1 h 09 min
